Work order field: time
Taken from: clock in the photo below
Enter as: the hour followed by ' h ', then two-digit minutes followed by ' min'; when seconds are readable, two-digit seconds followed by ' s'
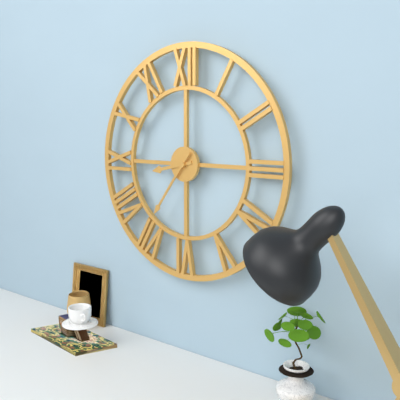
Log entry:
8 h 36 min
